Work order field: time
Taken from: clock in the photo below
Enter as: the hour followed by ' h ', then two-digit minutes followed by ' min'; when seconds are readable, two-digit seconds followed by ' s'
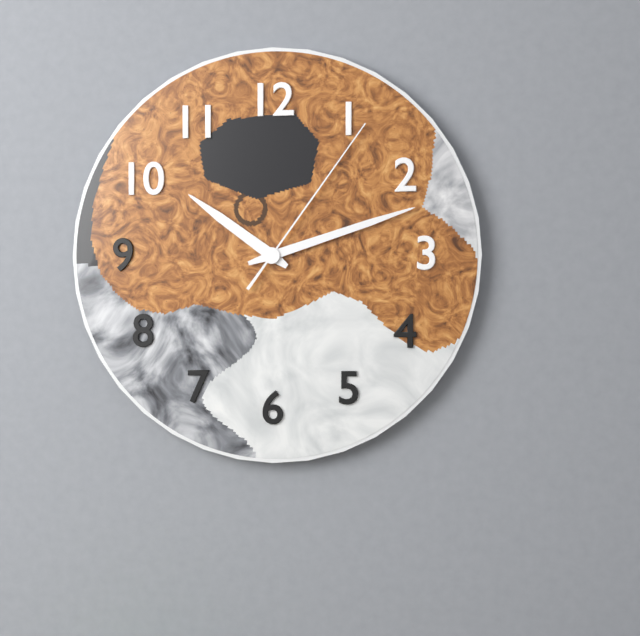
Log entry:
10 h 12 min 06 s
